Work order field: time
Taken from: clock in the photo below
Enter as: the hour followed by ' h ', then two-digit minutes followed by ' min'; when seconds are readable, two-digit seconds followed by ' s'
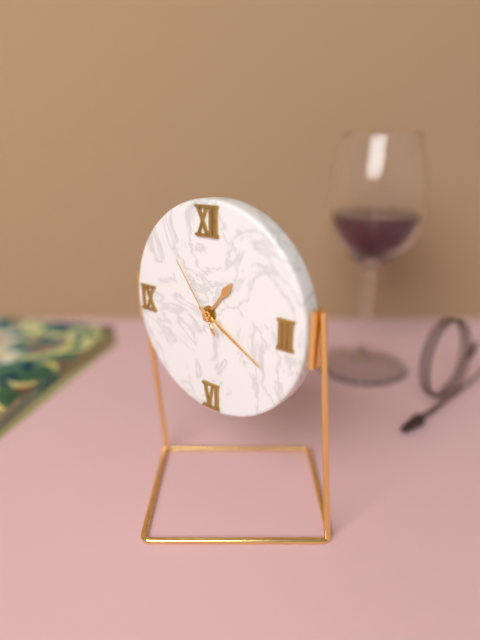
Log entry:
1 h 20 min 54 s
